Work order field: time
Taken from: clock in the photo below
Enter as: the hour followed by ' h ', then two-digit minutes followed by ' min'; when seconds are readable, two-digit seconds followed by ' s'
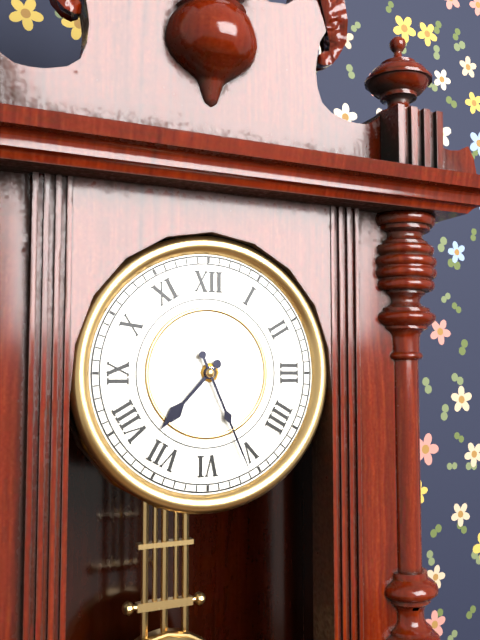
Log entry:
7 h 26 min
